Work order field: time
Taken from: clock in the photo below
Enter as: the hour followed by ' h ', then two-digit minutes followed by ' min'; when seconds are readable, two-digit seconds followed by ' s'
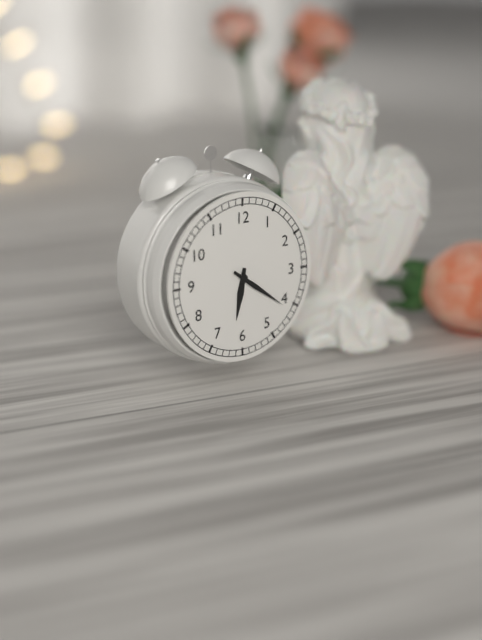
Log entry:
6 h 21 min
